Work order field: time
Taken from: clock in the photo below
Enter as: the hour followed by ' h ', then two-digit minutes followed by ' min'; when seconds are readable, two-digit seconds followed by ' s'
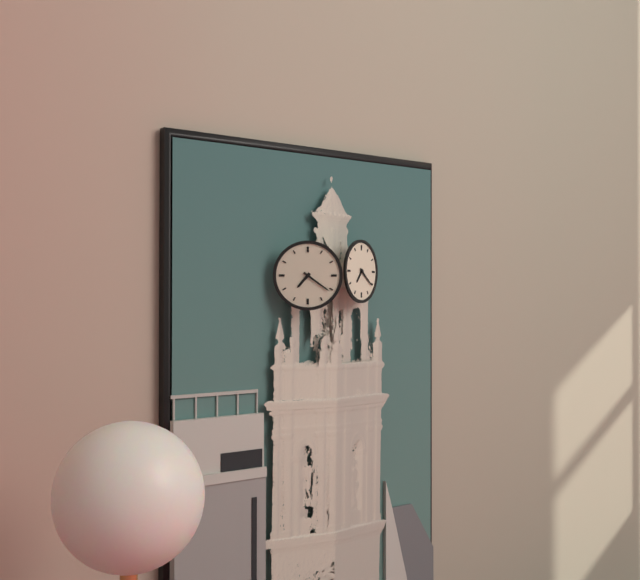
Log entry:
7 h 21 min
